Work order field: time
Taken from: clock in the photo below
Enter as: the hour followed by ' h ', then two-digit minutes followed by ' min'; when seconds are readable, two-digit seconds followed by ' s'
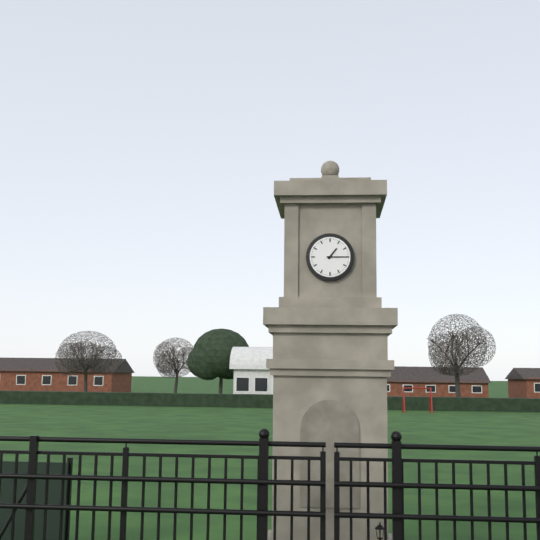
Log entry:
1 h 15 min
